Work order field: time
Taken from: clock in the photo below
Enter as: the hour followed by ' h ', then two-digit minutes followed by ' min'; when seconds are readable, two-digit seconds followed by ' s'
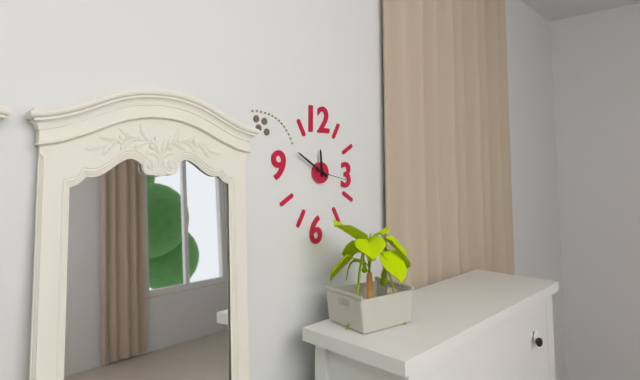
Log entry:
11 h 50 min
